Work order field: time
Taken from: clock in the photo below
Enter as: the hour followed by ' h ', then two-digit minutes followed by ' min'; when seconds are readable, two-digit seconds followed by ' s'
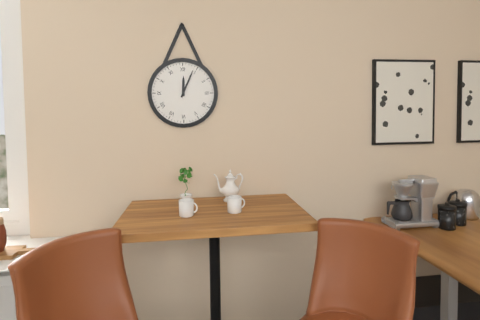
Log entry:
12 h 04 min
